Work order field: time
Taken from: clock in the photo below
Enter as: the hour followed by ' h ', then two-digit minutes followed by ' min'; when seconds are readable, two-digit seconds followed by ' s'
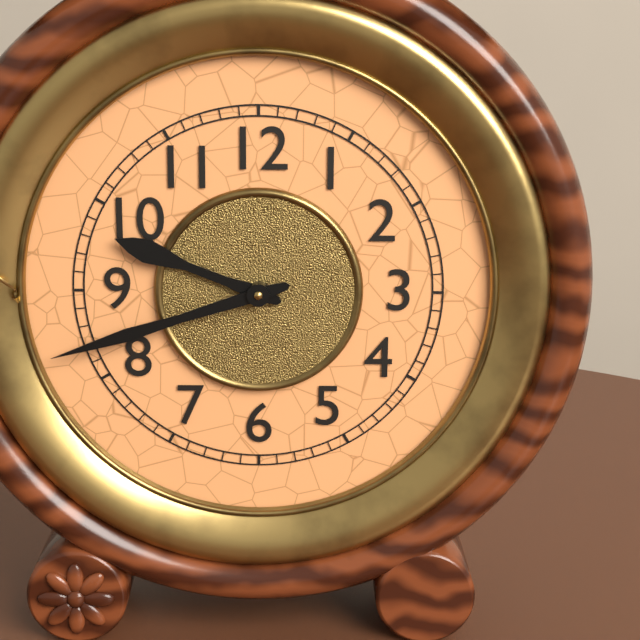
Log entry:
9 h 42 min
